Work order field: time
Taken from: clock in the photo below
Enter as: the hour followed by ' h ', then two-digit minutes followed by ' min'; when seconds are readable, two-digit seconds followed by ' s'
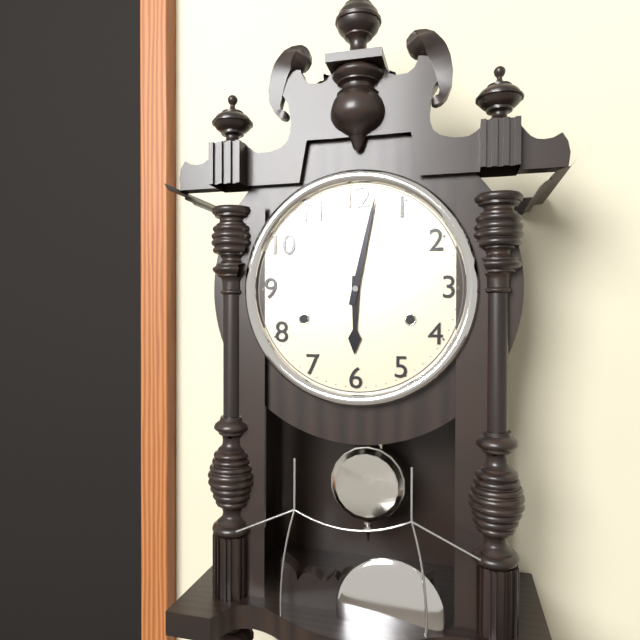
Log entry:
6 h 02 min
